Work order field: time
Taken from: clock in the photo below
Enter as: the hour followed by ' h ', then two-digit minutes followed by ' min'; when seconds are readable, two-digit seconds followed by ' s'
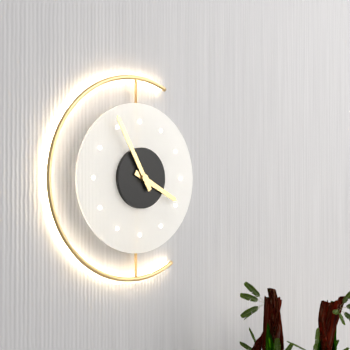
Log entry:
3 h 55 min
